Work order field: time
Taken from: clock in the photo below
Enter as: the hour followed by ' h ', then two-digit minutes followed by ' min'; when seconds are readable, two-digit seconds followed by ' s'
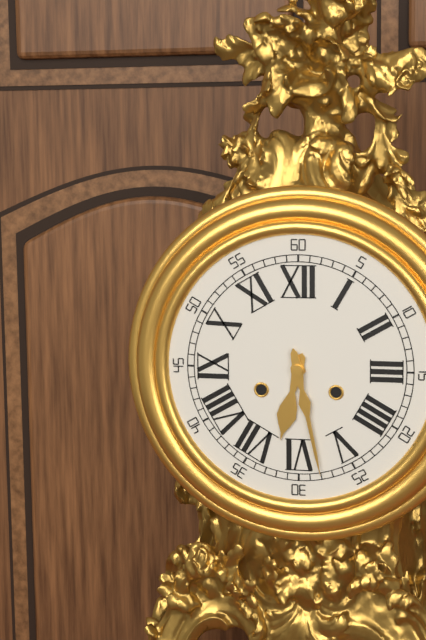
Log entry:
6 h 28 min
